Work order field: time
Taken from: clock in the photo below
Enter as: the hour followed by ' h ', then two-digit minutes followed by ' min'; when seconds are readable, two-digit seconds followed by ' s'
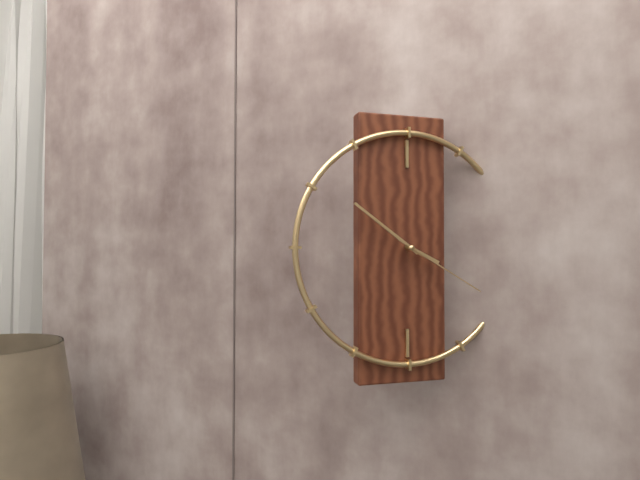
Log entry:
3 h 51 min 20 s
